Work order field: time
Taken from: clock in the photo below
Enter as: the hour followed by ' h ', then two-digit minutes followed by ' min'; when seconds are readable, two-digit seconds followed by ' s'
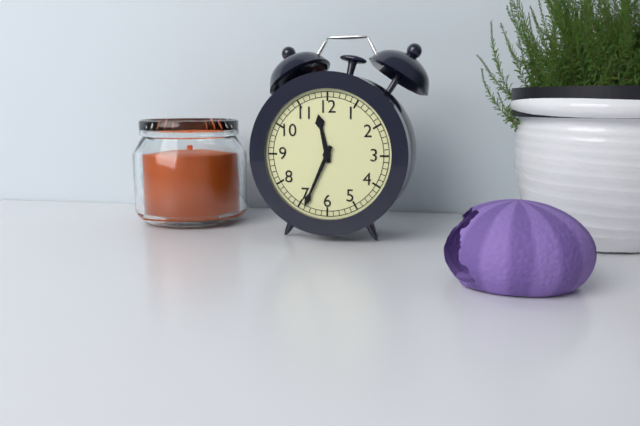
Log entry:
11 h 34 min
